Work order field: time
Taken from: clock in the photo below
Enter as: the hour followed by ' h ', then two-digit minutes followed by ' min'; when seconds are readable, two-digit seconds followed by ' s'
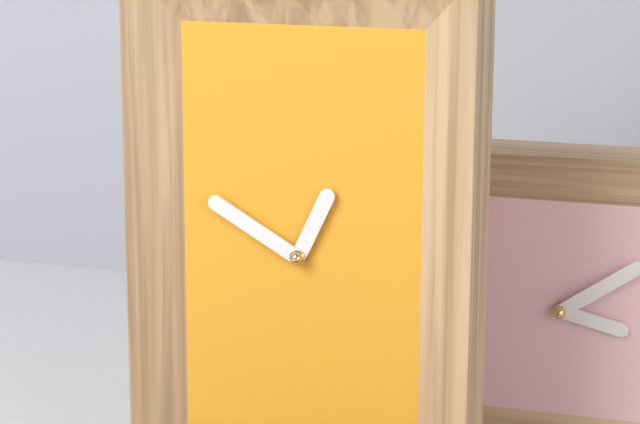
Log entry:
12 h 50 min
